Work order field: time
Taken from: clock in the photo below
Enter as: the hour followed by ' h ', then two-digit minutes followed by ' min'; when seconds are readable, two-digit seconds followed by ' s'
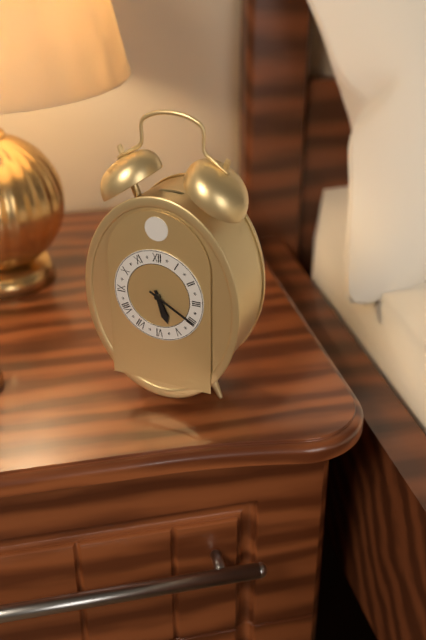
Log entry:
5 h 20 min
